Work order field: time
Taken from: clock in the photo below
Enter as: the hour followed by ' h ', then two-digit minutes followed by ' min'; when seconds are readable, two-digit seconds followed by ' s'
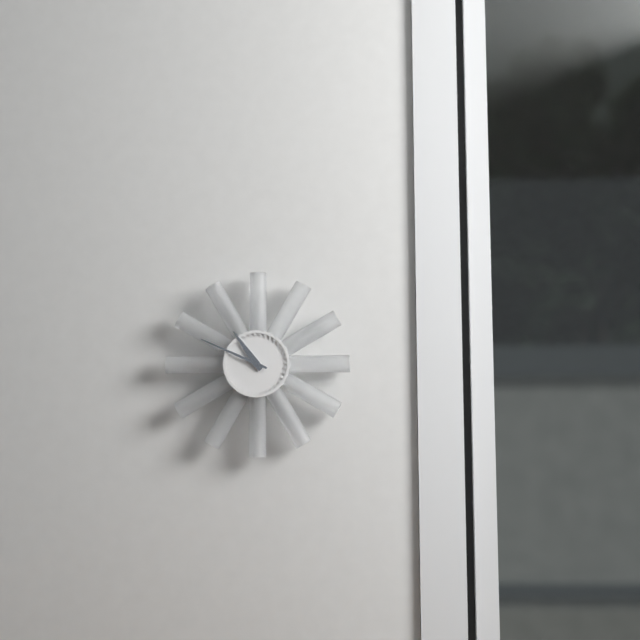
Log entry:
10 h 49 min
